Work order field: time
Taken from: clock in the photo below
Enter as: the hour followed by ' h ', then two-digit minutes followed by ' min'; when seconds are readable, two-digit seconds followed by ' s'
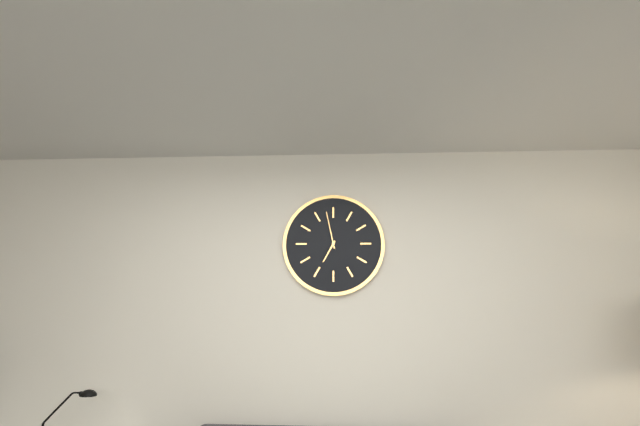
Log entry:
6 h 58 min
